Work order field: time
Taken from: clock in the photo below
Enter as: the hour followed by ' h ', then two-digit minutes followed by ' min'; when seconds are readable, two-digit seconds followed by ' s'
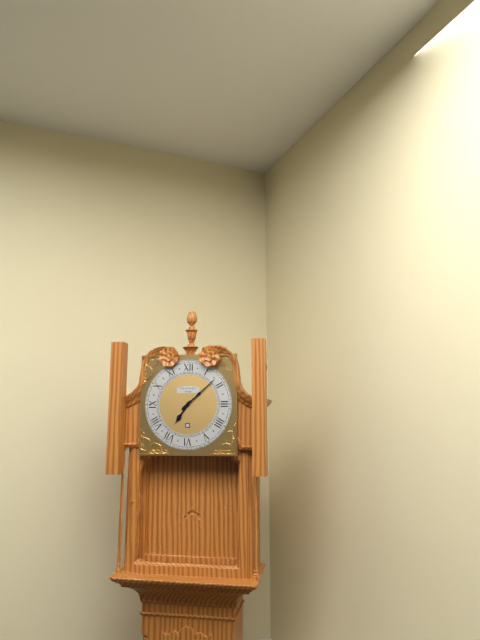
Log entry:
7 h 08 min
